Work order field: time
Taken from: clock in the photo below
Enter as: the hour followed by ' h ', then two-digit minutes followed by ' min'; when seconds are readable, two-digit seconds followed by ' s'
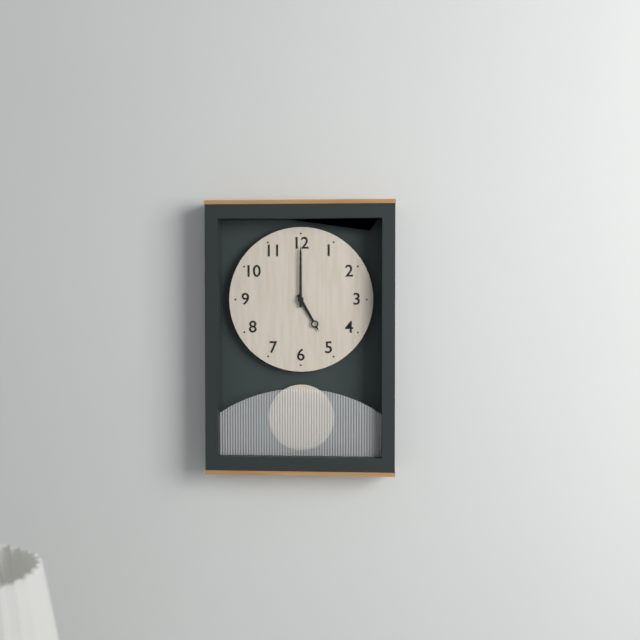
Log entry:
5 h 00 min
